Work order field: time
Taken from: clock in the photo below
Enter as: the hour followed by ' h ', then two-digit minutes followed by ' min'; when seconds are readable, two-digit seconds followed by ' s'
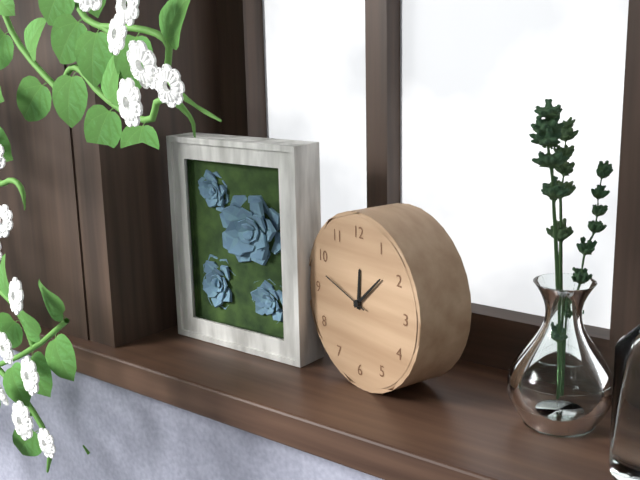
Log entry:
12 h 08 min 48 s
